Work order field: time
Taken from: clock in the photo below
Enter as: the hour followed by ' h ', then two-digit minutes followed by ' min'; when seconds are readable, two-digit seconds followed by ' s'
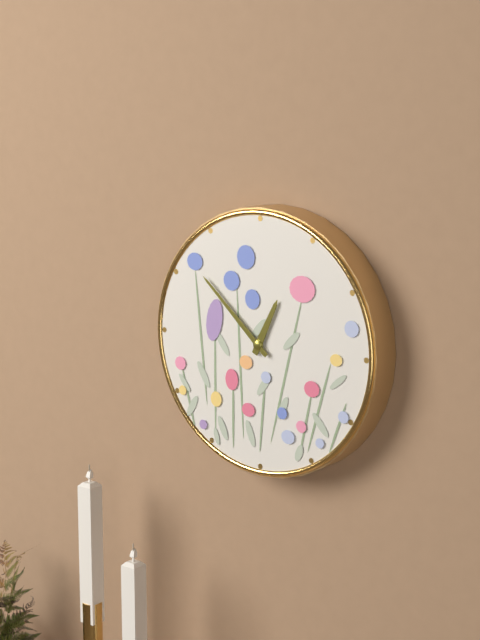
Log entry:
12 h 52 min
